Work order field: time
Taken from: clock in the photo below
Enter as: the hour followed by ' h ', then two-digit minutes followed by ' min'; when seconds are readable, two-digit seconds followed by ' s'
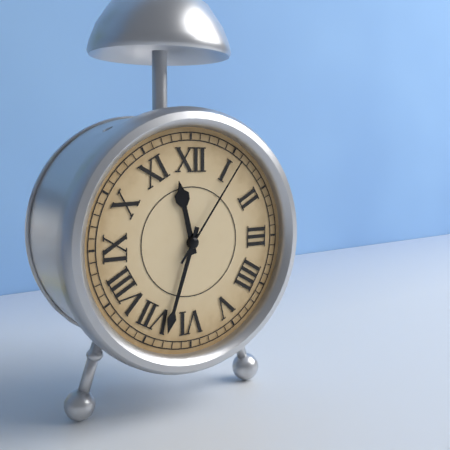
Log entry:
11 h 33 min 06 s
